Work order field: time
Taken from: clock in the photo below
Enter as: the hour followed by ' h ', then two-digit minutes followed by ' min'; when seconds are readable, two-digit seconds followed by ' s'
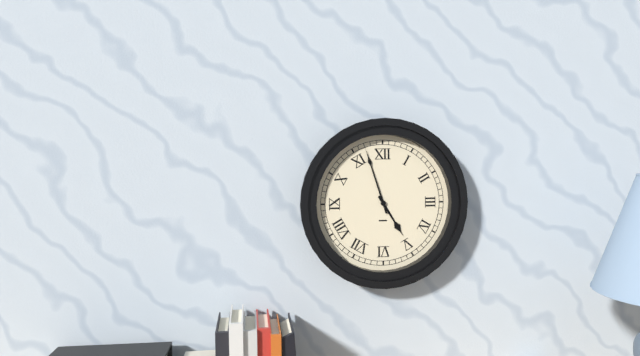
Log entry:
4 h 57 min
